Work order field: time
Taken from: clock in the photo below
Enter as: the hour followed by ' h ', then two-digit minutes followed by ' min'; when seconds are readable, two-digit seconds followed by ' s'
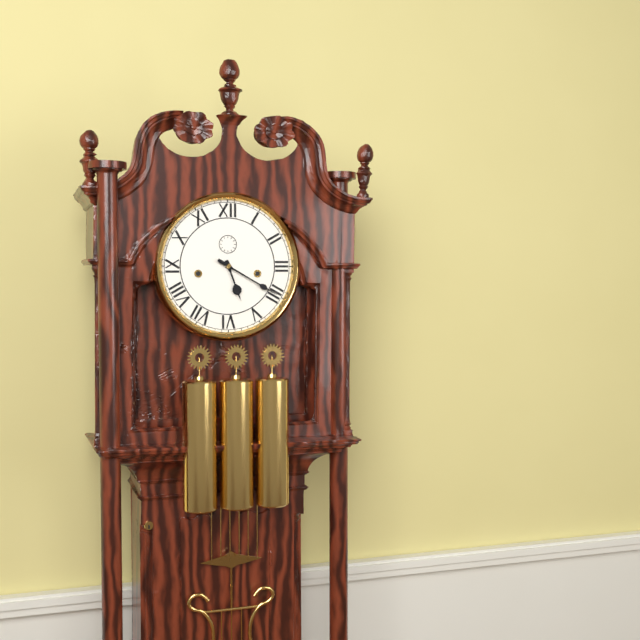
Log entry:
5 h 20 min
